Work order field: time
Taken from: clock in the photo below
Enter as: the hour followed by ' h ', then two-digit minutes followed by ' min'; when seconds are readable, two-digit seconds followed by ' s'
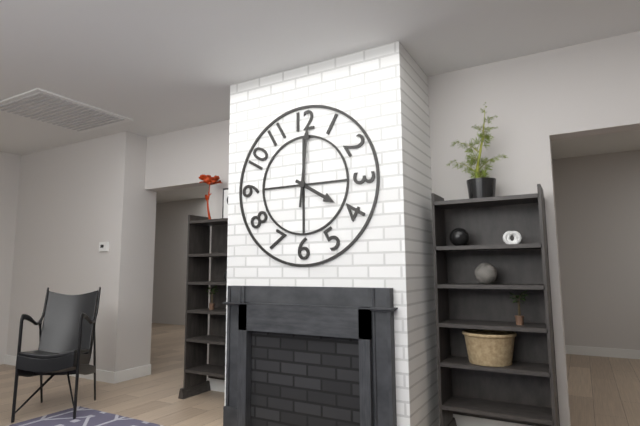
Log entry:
4 h 01 min
